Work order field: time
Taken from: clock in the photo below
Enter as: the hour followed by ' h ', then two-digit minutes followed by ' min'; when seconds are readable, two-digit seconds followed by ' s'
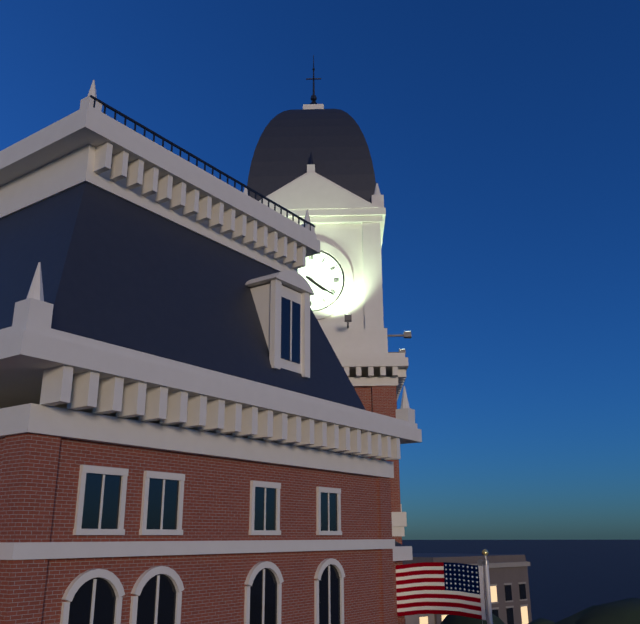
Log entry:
4 h 21 min
